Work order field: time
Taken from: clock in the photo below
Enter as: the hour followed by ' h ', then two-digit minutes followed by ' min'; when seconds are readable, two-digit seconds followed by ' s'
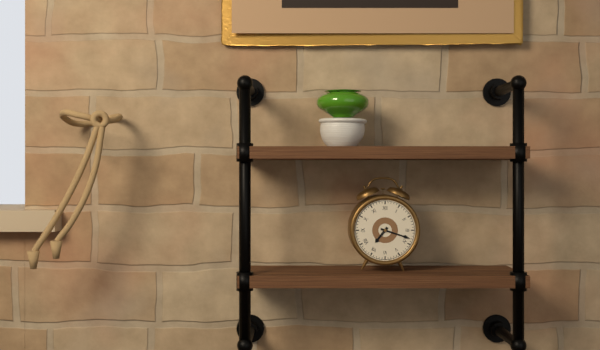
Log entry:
7 h 18 min
